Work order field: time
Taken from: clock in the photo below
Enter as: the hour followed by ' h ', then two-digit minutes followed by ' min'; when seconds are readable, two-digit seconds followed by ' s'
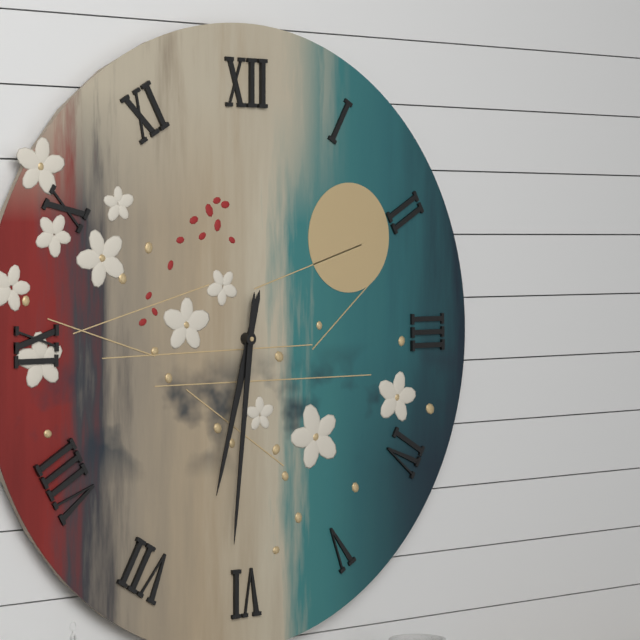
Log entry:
6 h 31 min
